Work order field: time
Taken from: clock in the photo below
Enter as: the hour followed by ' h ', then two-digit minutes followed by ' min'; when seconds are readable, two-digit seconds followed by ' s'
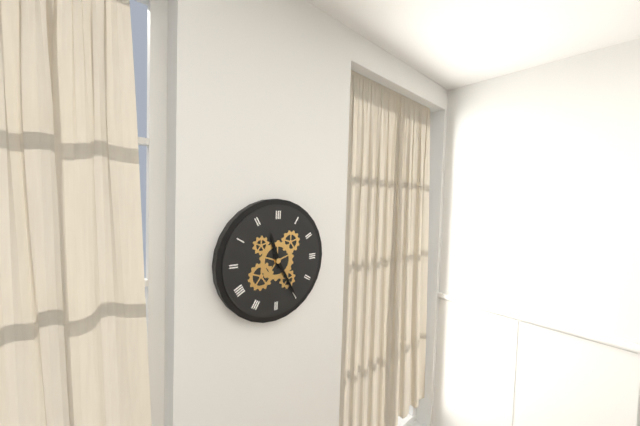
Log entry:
11 h 25 min
